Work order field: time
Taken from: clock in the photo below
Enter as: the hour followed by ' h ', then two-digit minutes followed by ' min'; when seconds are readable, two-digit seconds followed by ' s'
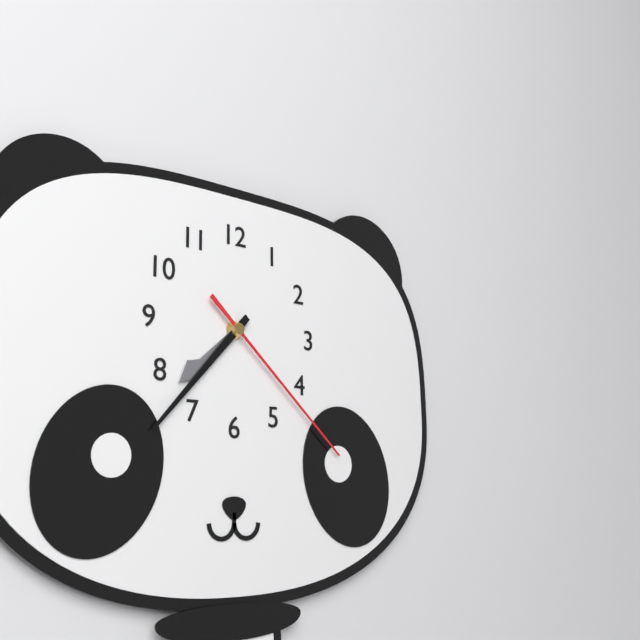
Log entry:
7 h 37 min 22 s
